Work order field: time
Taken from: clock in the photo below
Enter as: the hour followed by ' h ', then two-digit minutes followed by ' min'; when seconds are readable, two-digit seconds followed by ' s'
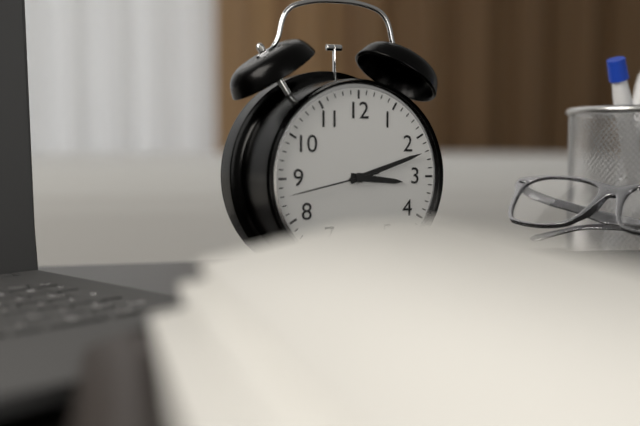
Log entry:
3 h 12 min 43 s
